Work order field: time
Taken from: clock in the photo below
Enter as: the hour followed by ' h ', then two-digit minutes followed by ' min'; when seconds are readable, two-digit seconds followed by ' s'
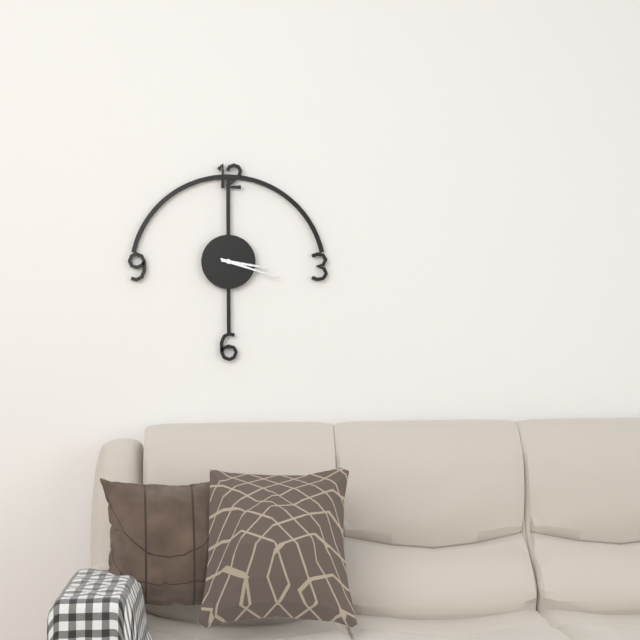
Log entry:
3 h 18 min
